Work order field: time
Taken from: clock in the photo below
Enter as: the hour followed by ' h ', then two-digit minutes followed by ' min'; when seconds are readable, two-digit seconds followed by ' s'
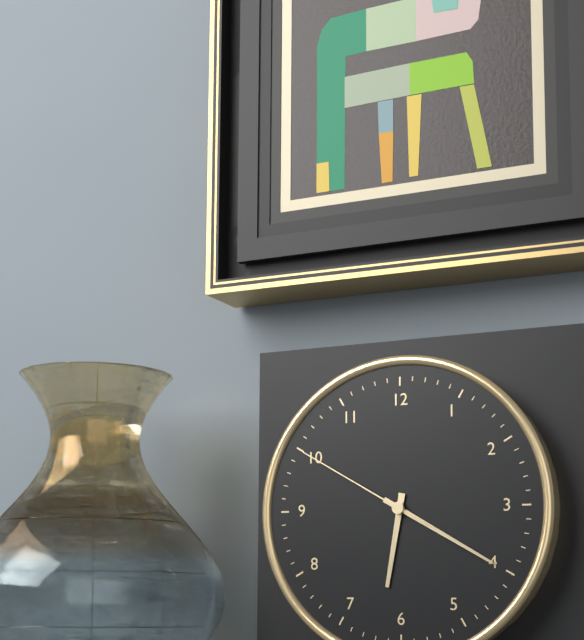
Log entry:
6 h 20 min 50 s
